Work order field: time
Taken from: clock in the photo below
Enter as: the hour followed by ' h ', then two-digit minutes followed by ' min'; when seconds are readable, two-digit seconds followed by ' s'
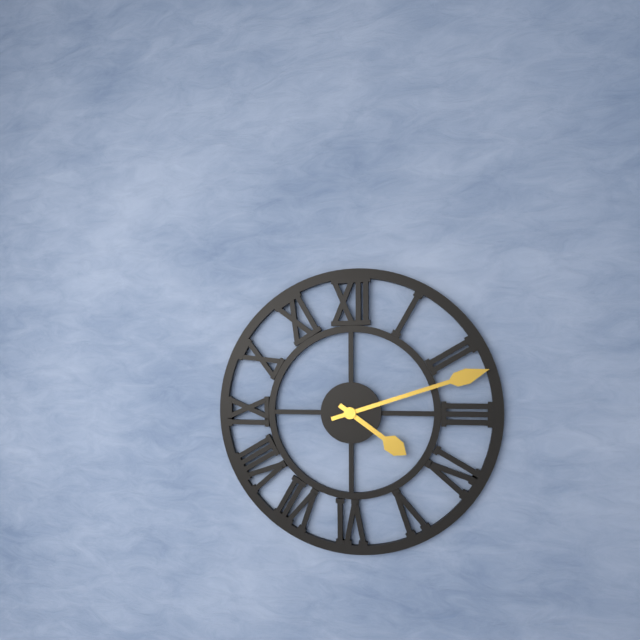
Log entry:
4 h 12 min
